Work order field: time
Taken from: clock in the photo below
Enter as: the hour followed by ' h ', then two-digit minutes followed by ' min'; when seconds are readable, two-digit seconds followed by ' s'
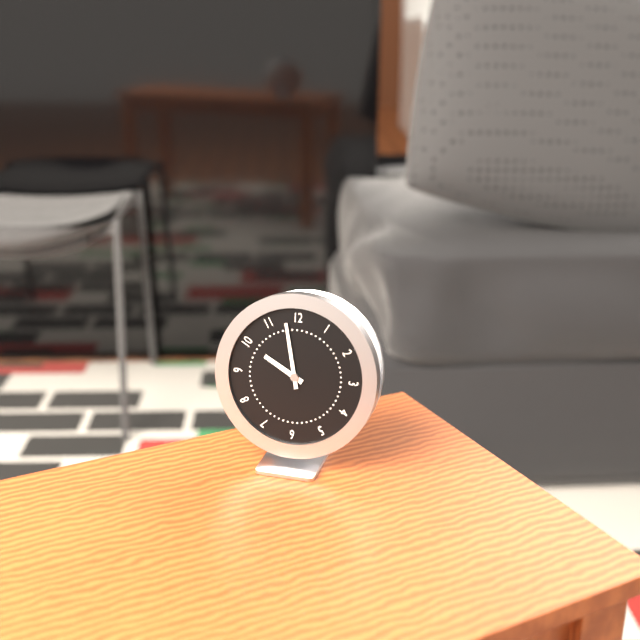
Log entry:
9 h 58 min
